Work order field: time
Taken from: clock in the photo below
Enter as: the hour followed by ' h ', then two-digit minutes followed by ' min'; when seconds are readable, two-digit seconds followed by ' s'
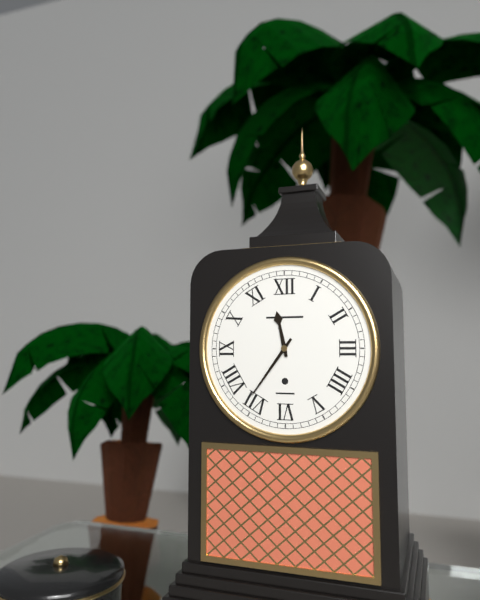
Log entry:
11 h 36 min
